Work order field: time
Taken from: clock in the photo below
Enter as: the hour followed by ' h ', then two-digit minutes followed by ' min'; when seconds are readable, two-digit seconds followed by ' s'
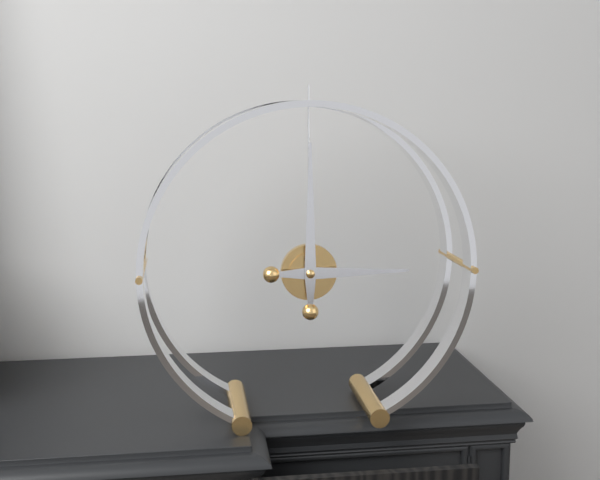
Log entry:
3 h 00 min
